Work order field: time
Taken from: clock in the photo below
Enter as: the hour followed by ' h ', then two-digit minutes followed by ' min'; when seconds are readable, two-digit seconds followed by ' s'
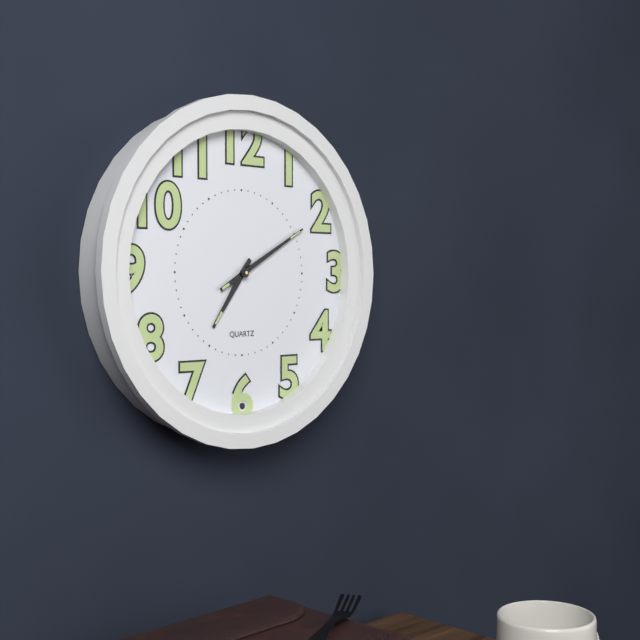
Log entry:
7 h 10 min
